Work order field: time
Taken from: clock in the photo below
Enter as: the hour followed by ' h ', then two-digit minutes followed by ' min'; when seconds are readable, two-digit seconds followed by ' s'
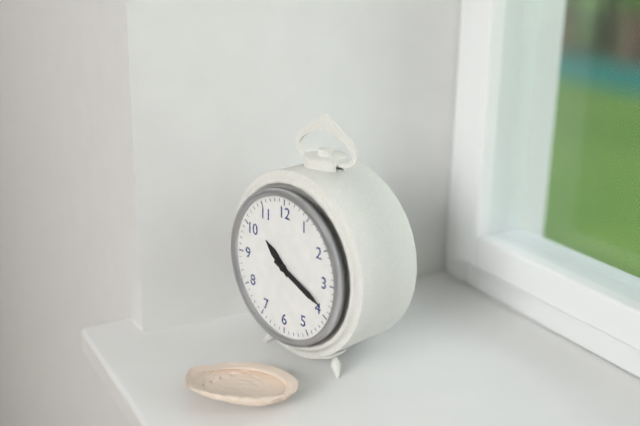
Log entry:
10 h 19 min
